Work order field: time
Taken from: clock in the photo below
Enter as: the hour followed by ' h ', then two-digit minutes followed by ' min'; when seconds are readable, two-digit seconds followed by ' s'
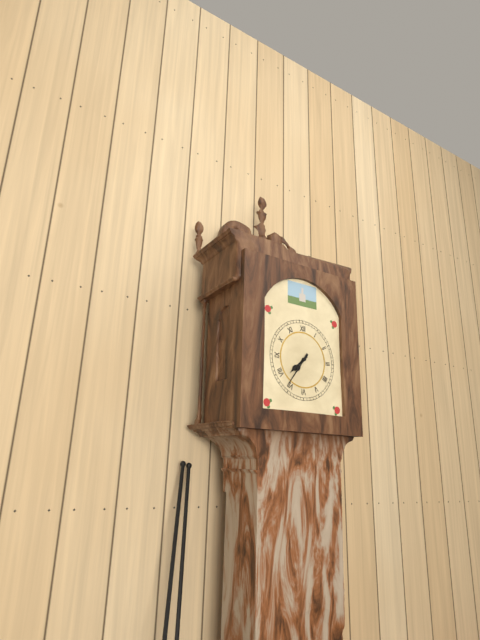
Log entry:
7 h 36 min
